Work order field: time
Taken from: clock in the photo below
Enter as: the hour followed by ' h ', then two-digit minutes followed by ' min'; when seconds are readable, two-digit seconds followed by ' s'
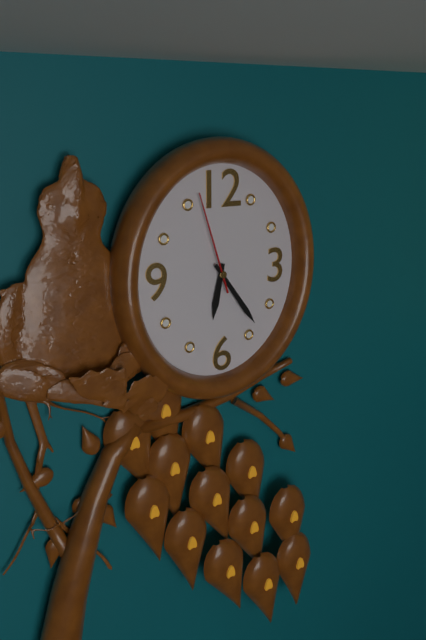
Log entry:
6 h 24 min 57 s
